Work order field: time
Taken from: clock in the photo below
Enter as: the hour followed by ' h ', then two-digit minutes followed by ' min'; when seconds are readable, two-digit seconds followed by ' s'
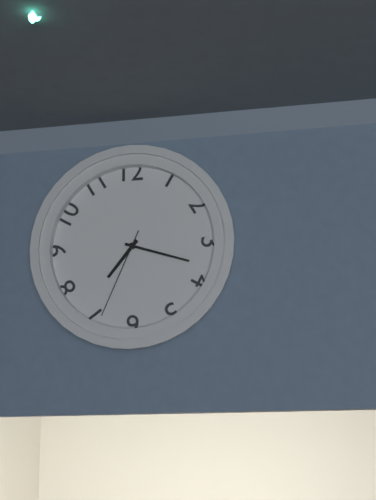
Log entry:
7 h 18 min 34 s
